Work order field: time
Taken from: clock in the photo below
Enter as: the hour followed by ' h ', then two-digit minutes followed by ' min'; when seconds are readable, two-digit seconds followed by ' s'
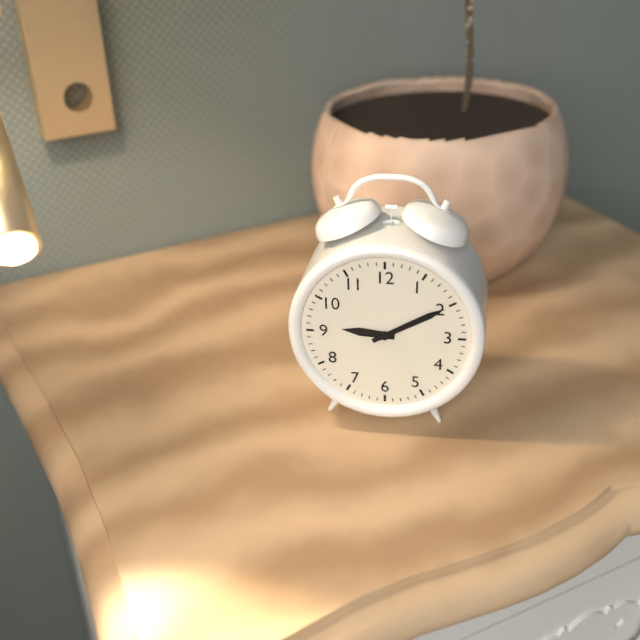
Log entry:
9 h 10 min
